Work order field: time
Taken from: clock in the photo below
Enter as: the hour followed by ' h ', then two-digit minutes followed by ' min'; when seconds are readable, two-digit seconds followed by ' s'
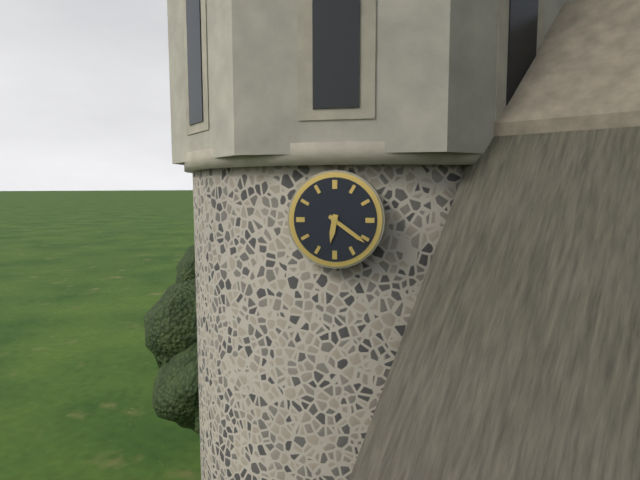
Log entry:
6 h 21 min
